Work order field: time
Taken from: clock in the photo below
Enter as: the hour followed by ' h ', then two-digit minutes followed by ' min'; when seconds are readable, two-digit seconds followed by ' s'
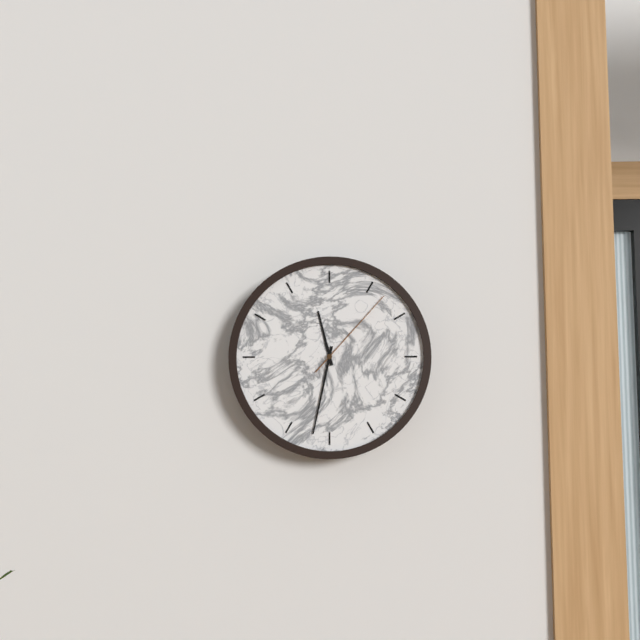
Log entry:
11 h 32 min 07 s
